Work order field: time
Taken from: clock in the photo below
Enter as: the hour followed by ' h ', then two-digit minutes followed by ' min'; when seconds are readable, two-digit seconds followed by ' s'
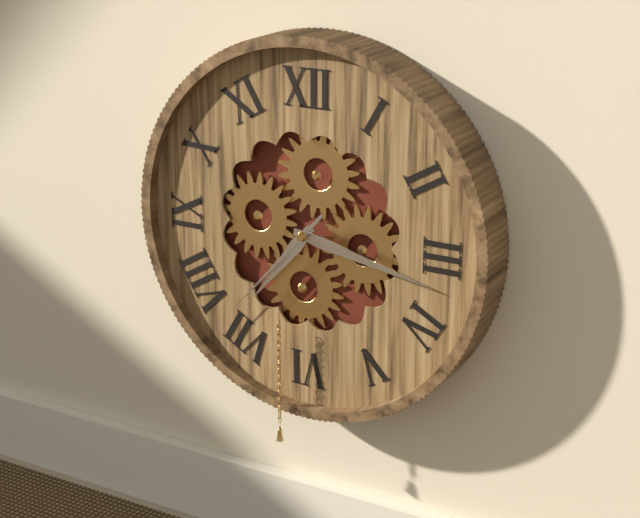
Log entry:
7 h 17 min 37 s
